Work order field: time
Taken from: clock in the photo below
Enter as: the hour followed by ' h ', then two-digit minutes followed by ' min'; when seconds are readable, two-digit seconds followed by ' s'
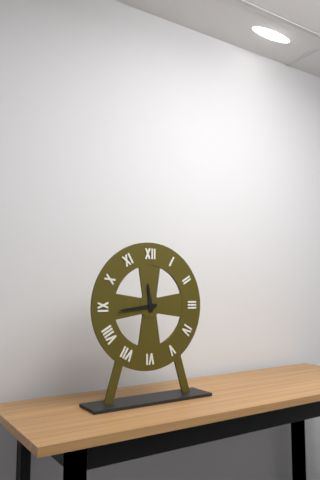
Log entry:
11 h 44 min
